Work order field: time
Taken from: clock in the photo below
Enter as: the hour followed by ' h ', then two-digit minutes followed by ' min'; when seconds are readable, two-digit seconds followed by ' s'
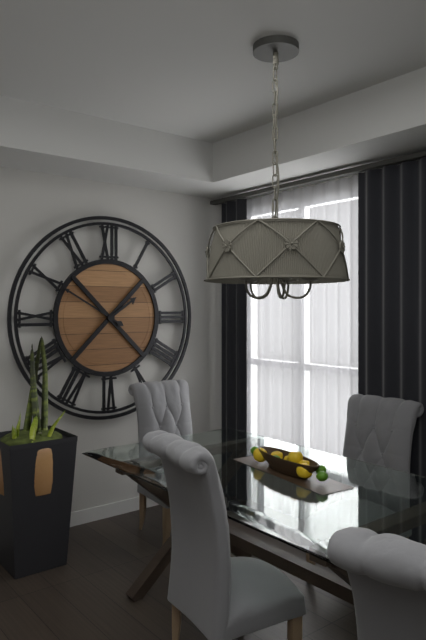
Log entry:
1 h 50 min
